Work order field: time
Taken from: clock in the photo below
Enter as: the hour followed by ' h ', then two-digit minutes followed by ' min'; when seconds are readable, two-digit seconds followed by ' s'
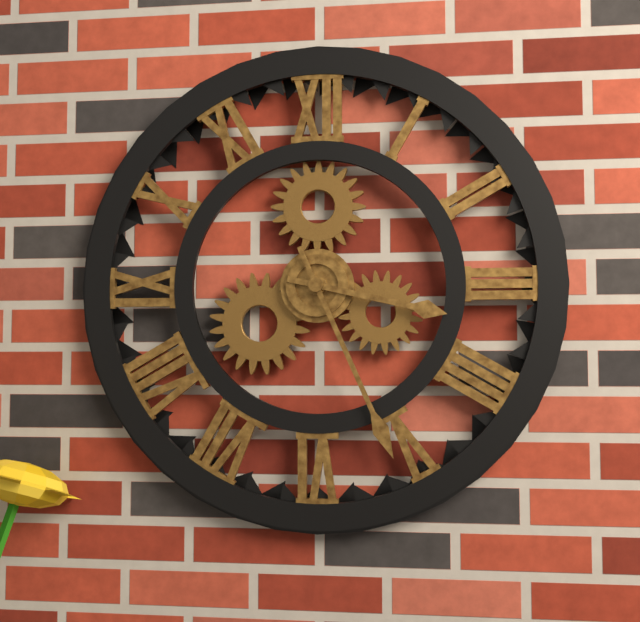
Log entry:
3 h 26 min
